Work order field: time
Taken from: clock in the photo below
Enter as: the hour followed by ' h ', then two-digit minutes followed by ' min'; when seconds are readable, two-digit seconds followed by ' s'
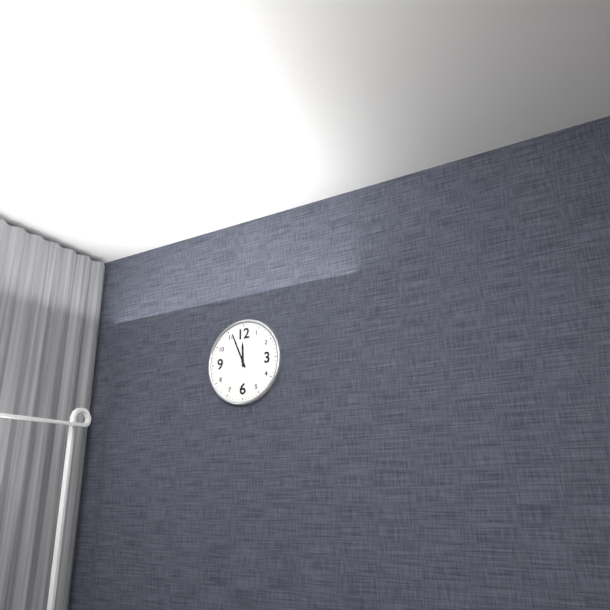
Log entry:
11 h 56 min
